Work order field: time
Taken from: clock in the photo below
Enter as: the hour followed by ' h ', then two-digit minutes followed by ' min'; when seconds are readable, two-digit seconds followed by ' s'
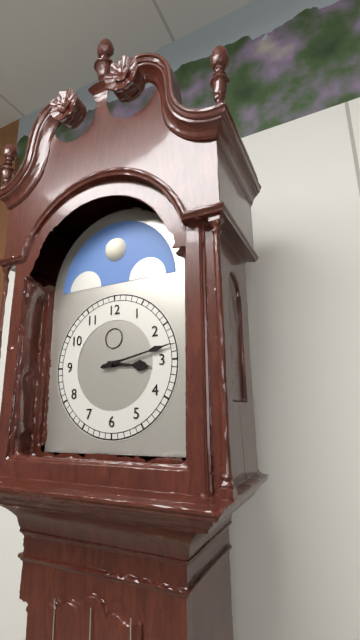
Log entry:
3 h 13 min
